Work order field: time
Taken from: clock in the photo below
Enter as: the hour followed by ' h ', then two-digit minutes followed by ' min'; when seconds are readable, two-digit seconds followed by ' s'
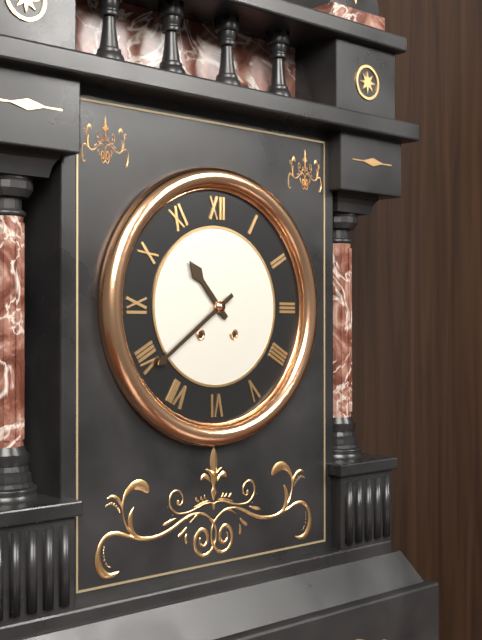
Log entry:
10 h 39 min
